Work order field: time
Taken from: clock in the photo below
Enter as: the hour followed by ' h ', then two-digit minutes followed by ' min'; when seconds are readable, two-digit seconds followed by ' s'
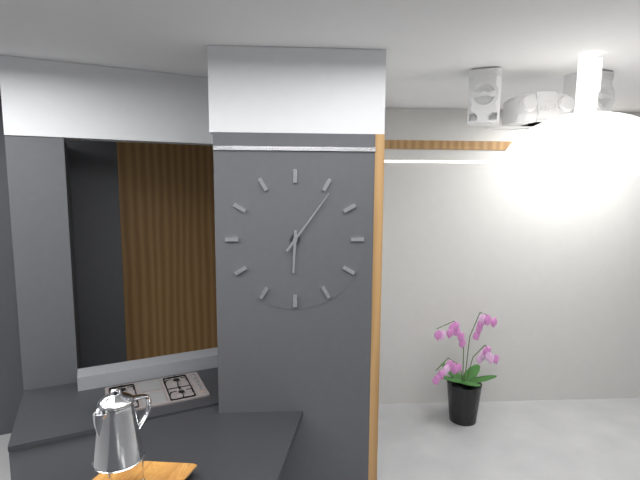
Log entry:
6 h 06 min
